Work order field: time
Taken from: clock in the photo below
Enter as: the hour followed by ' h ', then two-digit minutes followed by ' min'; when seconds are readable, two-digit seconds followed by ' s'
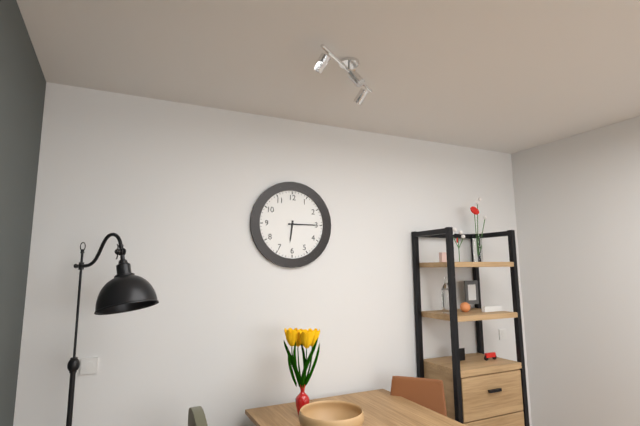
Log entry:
6 h 15 min
